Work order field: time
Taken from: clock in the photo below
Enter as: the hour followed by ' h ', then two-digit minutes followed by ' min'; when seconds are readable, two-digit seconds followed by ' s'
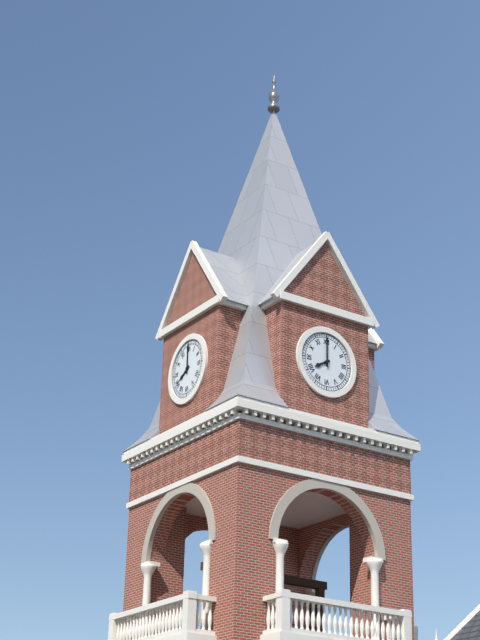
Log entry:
8 h 00 min
